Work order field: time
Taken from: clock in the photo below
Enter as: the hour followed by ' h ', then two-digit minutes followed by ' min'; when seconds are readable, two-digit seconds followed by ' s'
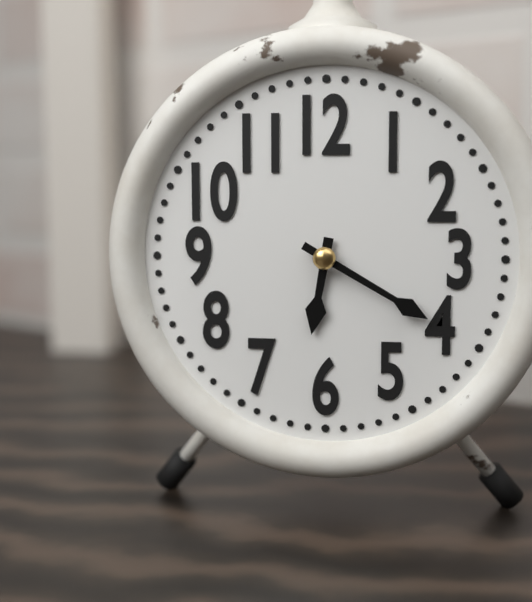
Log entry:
6 h 20 min
